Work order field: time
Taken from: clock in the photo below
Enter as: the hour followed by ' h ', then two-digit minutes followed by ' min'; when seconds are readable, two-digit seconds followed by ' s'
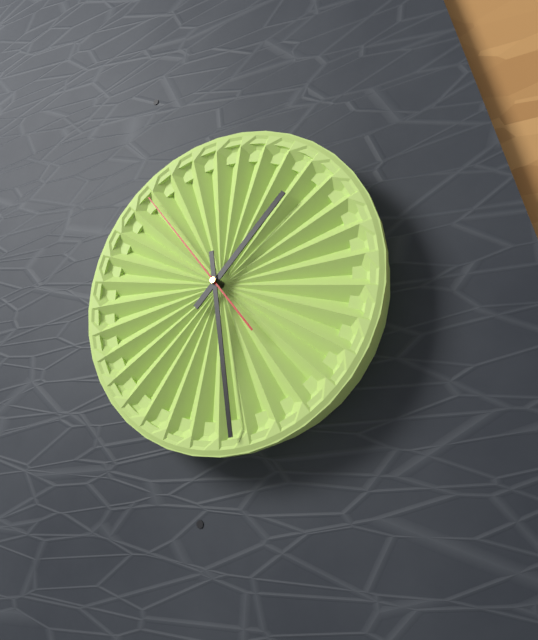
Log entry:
1 h 29 min 54 s
